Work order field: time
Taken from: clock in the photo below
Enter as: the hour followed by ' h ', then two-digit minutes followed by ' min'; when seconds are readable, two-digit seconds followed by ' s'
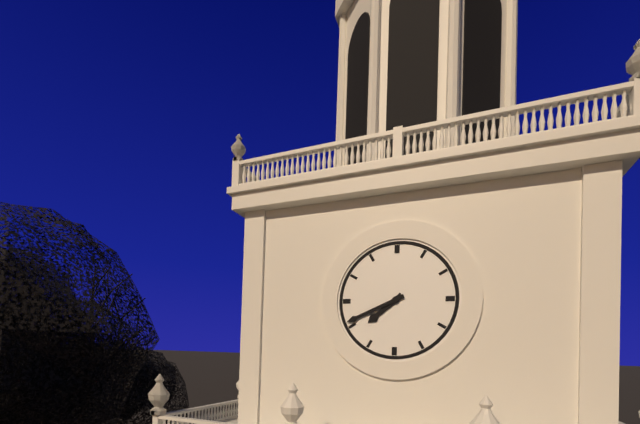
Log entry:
7 h 41 min
